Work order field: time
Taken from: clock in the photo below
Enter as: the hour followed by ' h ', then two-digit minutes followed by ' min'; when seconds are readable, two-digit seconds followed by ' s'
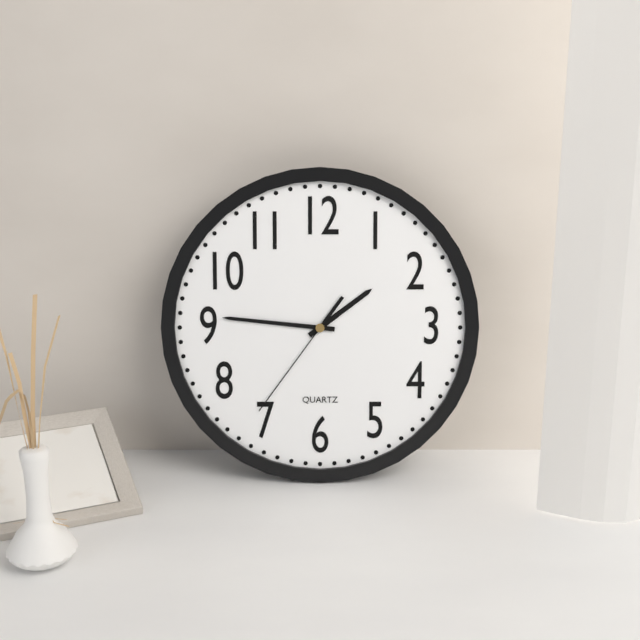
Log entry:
1 h 46 min 36 s
